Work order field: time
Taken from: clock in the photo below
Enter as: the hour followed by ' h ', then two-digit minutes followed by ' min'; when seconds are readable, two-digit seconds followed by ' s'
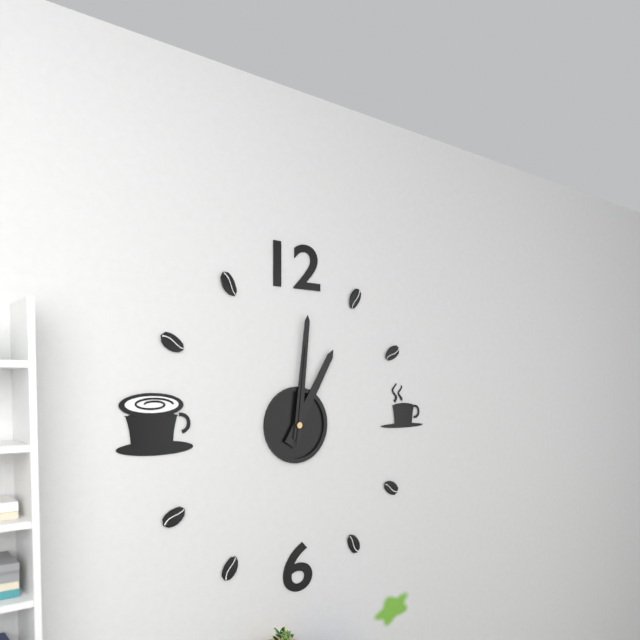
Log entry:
1 h 01 min 01 s
